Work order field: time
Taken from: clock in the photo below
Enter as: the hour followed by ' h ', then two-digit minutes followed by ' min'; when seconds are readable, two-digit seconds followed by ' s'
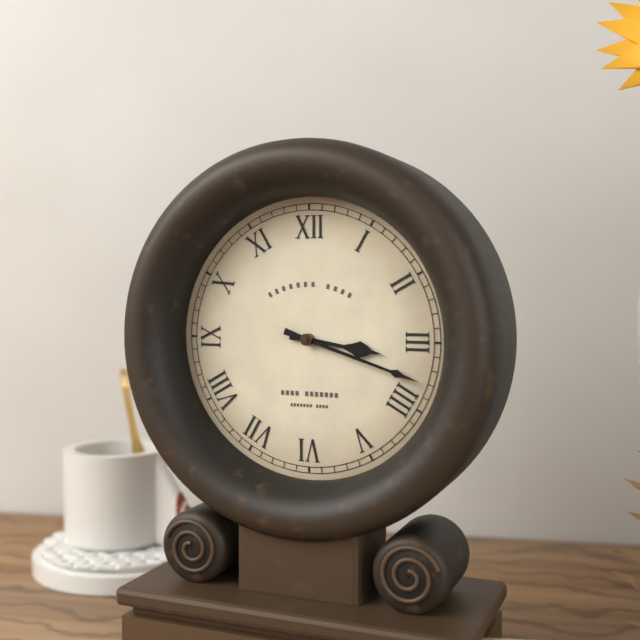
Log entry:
3 h 18 min
